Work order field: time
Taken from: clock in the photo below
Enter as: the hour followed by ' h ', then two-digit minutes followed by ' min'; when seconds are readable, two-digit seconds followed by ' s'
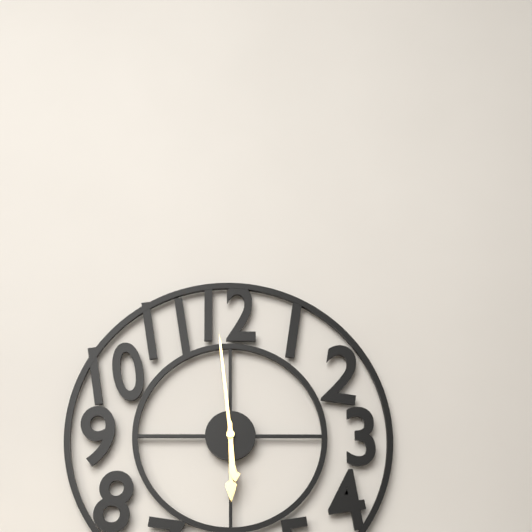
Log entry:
5 h 59 min
